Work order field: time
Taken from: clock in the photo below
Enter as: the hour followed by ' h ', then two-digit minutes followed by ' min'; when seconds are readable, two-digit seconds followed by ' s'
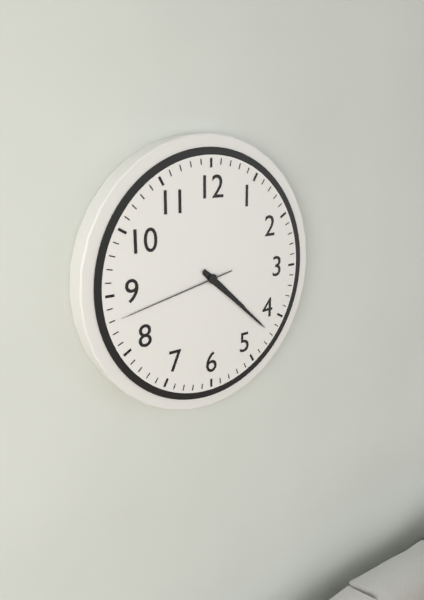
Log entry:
4 h 22 min 43 s
